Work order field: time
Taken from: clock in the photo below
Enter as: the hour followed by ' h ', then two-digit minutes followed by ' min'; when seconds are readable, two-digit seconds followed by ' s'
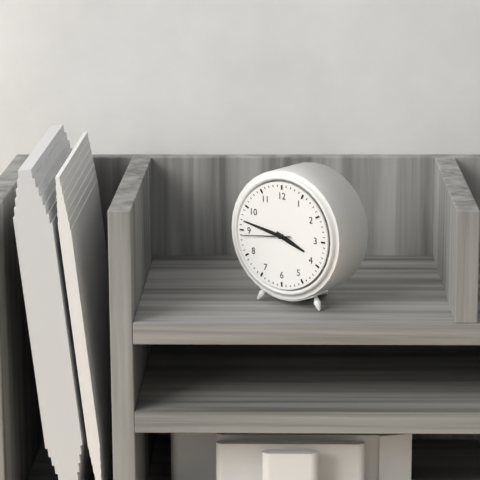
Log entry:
3 h 47 min
